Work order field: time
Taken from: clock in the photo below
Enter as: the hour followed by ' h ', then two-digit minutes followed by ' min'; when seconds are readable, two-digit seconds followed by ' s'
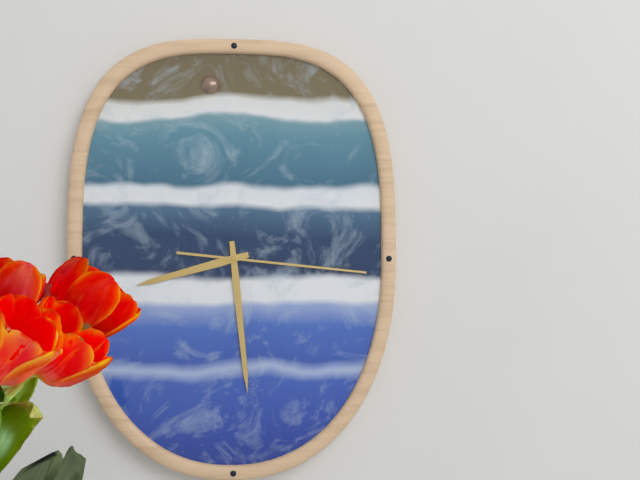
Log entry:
8 h 29 min 16 s
